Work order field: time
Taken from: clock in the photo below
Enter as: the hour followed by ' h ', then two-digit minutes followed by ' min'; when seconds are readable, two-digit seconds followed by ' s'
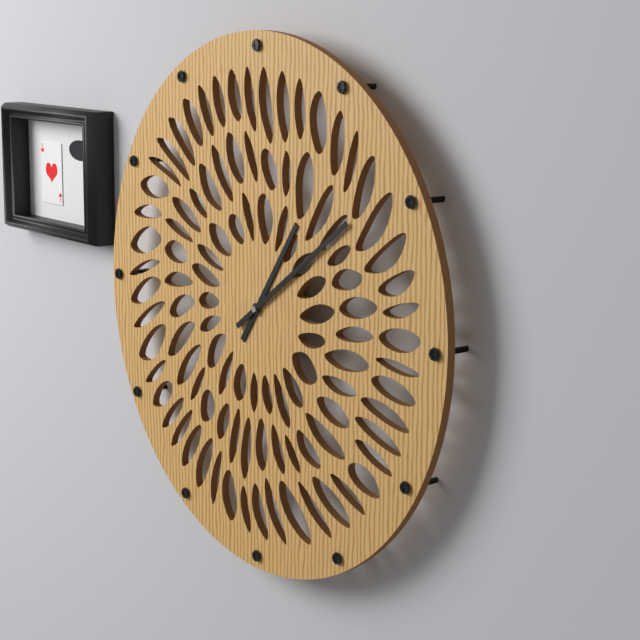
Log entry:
1 h 09 min
